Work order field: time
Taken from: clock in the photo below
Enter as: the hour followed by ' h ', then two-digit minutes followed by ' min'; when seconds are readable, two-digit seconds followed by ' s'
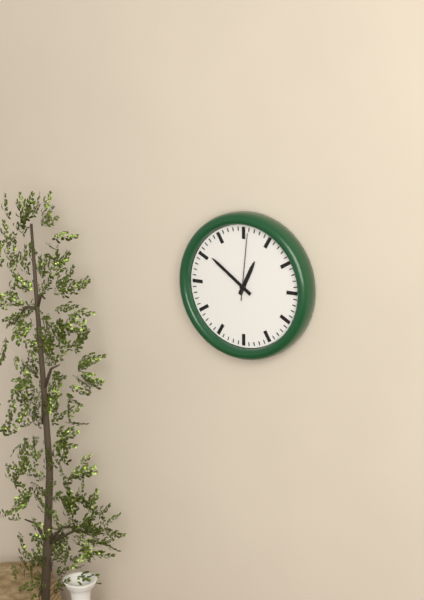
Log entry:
12 h 51 min 01 s
